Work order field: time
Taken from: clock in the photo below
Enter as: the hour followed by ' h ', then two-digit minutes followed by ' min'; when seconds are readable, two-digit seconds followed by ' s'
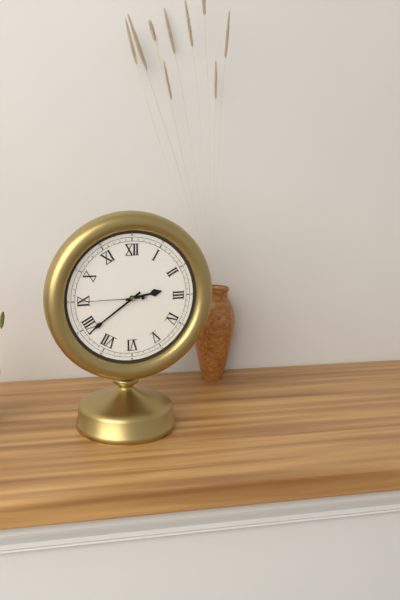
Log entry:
2 h 39 min 45 s
